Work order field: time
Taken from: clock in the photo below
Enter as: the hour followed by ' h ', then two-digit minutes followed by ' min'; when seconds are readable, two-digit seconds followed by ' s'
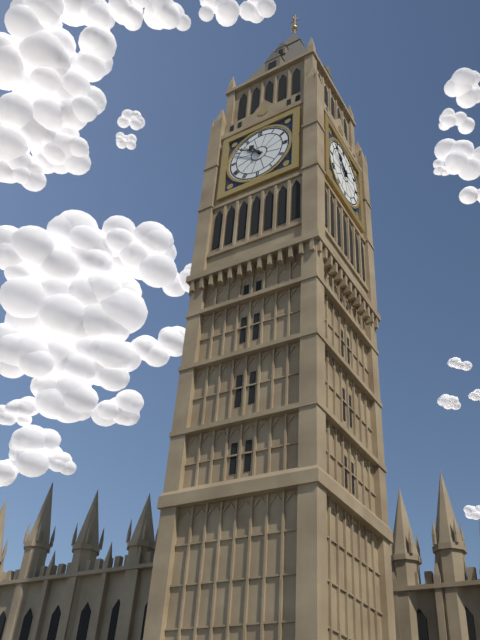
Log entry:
10 h 51 min
